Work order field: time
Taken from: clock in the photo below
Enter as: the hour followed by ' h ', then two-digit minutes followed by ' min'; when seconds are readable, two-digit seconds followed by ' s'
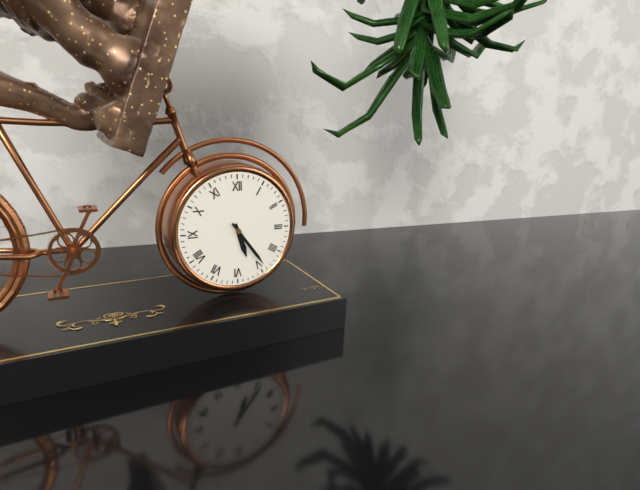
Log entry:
5 h 24 min
